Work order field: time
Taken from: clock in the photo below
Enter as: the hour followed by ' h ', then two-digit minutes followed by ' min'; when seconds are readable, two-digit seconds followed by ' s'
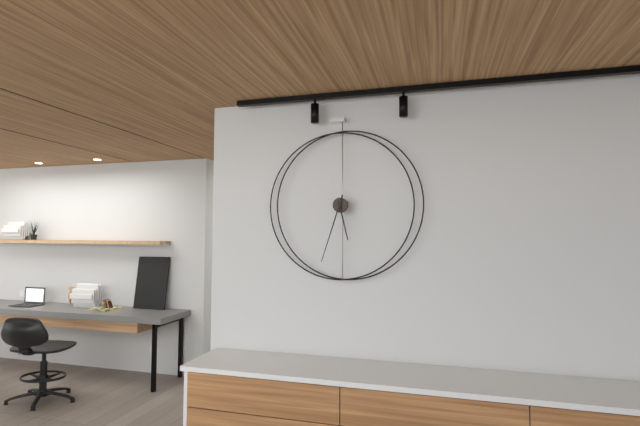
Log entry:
5 h 33 min
